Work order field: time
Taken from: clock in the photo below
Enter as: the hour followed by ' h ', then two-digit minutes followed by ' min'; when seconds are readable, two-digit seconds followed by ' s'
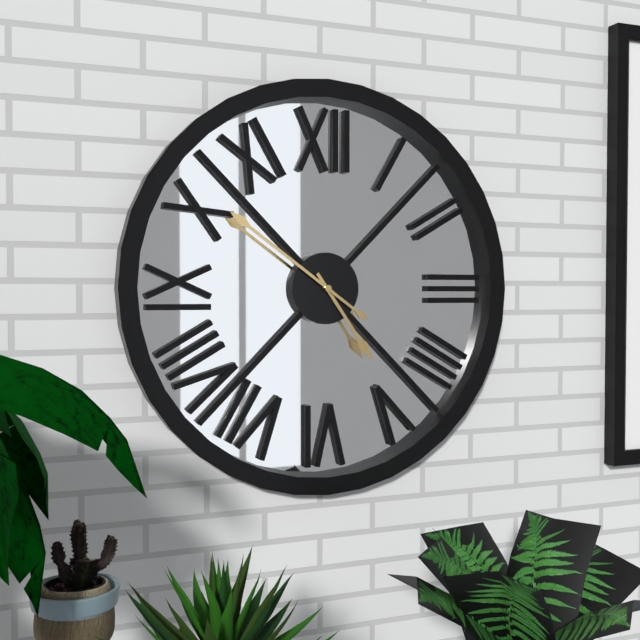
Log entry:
4 h 51 min
